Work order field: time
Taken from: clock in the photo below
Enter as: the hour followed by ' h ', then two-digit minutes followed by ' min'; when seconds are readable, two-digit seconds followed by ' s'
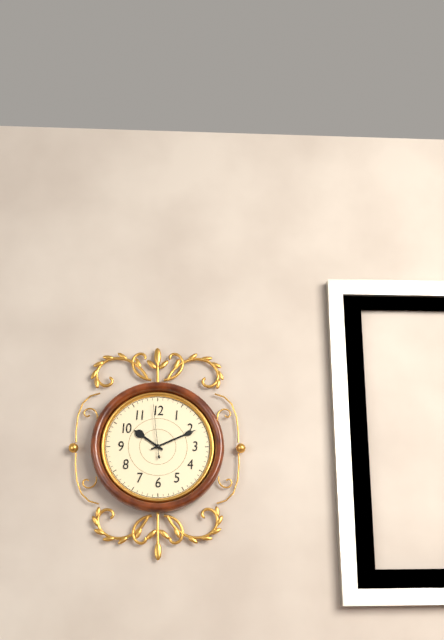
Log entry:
10 h 11 min 59 s
